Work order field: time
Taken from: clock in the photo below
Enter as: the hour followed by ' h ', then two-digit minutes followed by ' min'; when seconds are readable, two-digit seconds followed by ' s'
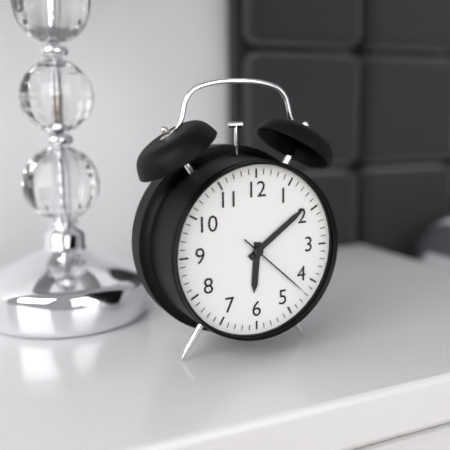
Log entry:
6 h 09 min 22 s
